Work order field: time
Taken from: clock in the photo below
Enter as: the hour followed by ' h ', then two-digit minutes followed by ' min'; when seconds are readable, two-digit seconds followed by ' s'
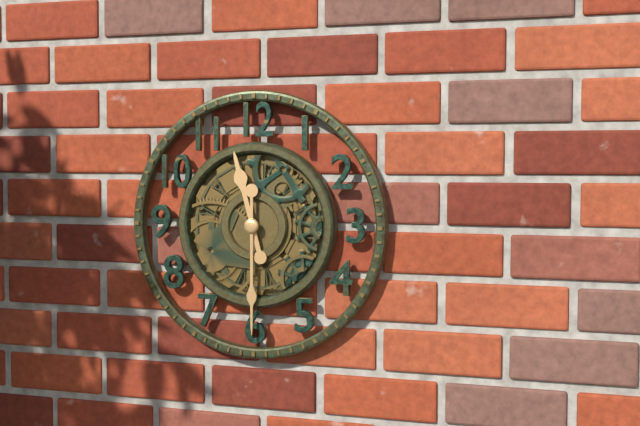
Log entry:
11 h 30 min
